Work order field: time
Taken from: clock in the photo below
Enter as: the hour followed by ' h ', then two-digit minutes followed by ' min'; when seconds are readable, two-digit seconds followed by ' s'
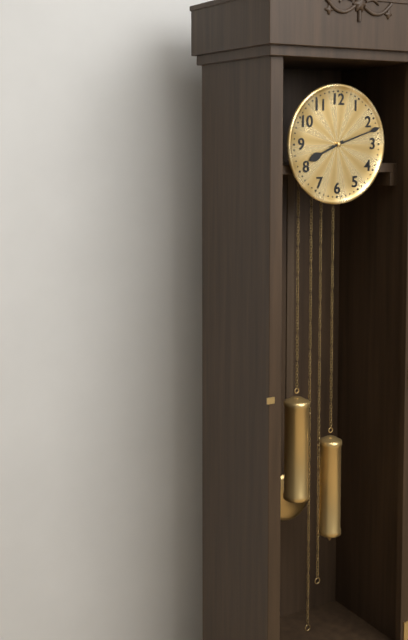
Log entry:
8 h 12 min
